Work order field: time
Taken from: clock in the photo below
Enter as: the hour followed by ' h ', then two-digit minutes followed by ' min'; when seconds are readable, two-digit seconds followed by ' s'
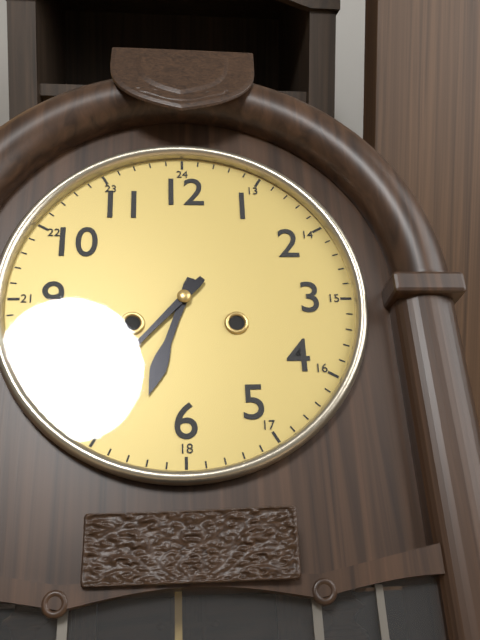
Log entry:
6 h 37 min
